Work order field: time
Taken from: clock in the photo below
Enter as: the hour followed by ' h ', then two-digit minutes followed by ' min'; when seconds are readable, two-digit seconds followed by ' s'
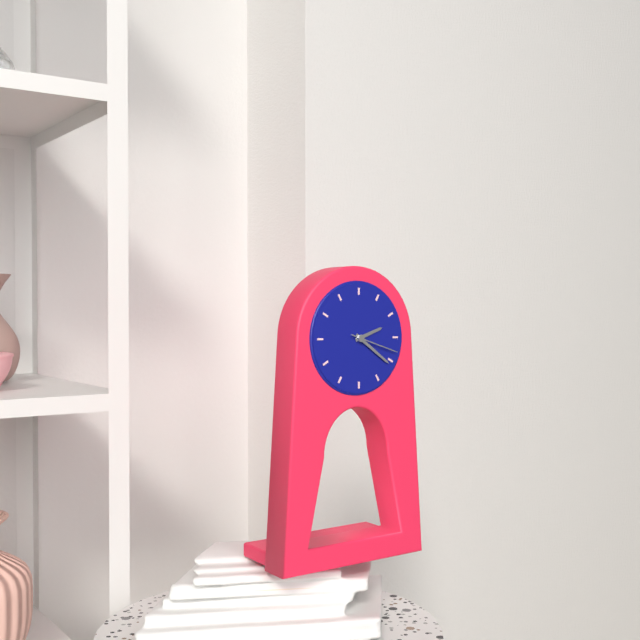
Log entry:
2 h 21 min 18 s
